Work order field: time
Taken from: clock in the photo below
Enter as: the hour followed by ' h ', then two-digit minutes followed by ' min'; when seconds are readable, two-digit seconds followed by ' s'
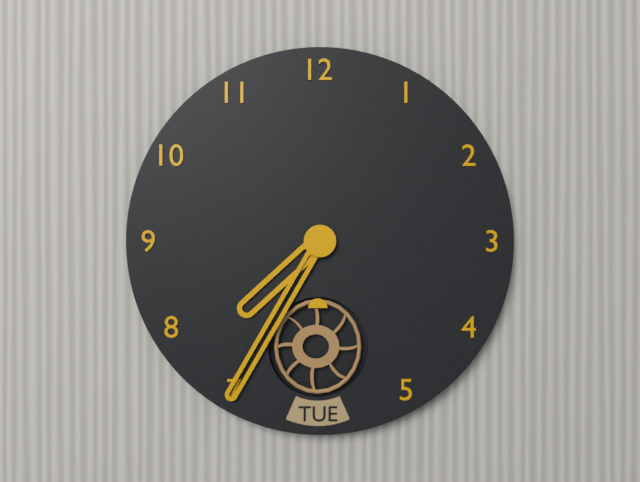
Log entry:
7 h 35 min
